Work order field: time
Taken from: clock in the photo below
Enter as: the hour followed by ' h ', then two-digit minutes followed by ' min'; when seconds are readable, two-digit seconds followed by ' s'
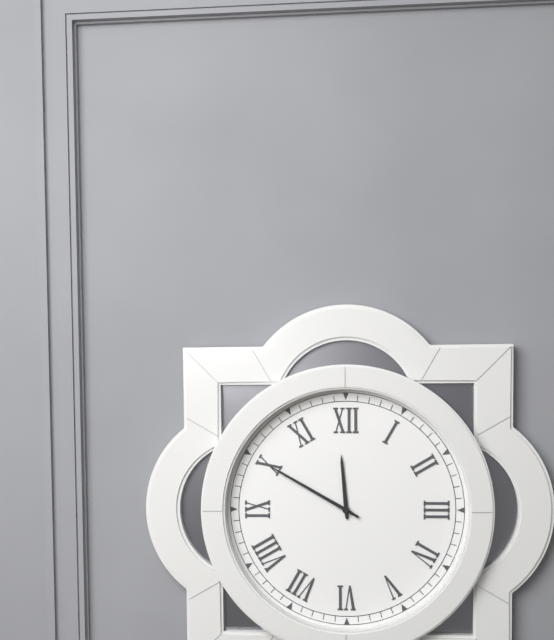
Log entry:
11 h 50 min
